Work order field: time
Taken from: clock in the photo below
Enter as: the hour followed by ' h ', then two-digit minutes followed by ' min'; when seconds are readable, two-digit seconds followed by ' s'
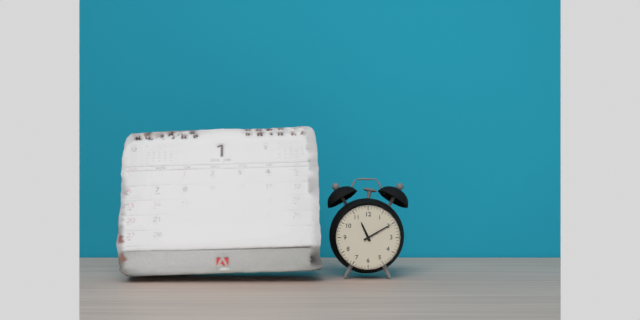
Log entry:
11 h 10 min
